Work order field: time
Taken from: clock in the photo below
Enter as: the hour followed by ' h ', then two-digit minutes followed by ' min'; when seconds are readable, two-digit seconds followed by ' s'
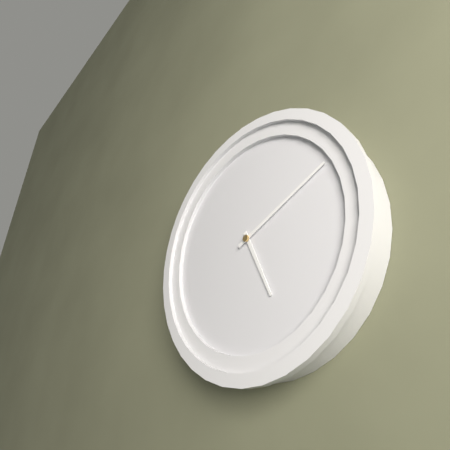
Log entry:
5 h 11 min
